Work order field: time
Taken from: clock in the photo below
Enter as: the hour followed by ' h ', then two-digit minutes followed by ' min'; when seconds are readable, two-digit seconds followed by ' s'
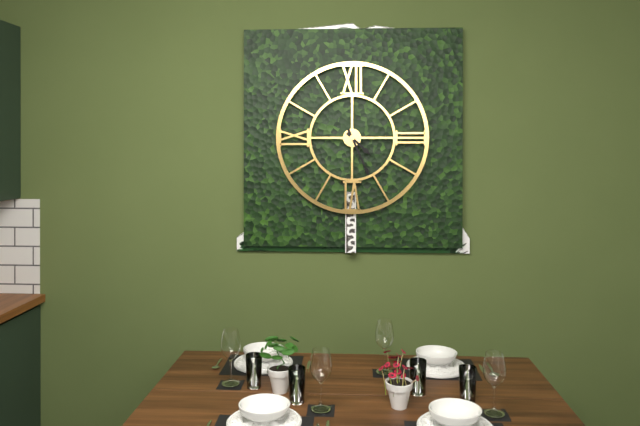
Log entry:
4 h 26 min
